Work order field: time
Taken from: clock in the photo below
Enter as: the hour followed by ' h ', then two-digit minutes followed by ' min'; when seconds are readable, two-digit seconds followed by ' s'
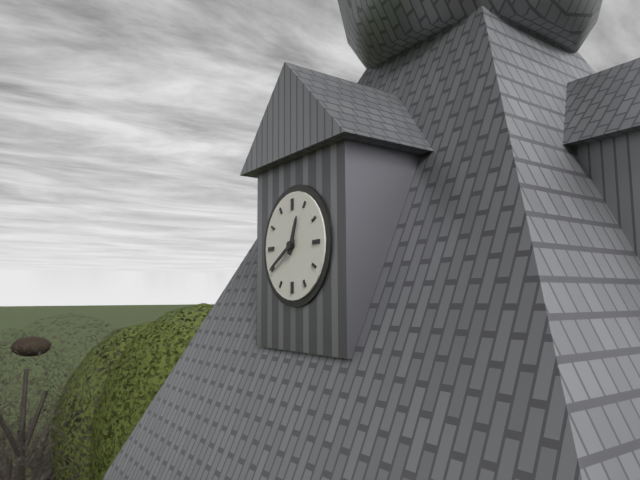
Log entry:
12 h 40 min
